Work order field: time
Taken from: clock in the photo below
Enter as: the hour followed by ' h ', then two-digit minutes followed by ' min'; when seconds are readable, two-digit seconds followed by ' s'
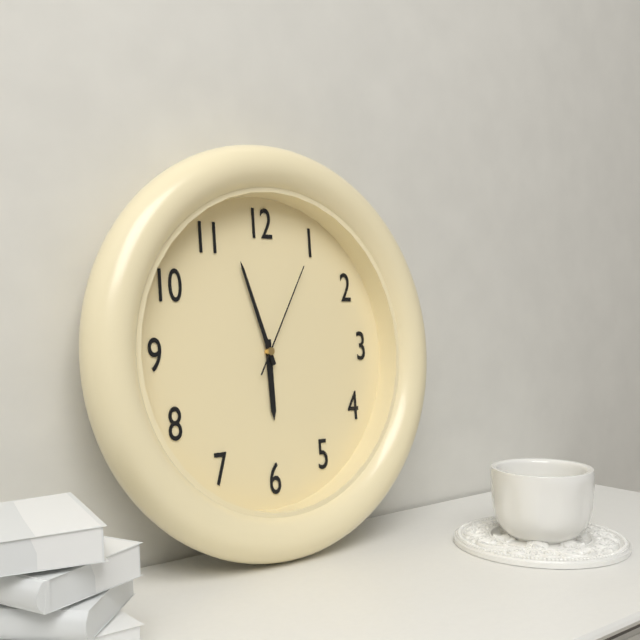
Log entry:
5 h 57 min 05 s
